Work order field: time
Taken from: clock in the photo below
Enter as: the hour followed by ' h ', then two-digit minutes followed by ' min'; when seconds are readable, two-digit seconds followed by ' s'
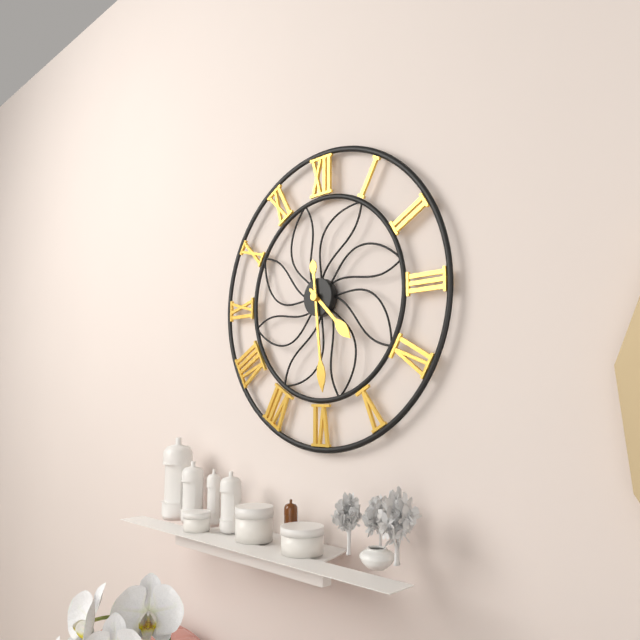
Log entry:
4 h 29 min
